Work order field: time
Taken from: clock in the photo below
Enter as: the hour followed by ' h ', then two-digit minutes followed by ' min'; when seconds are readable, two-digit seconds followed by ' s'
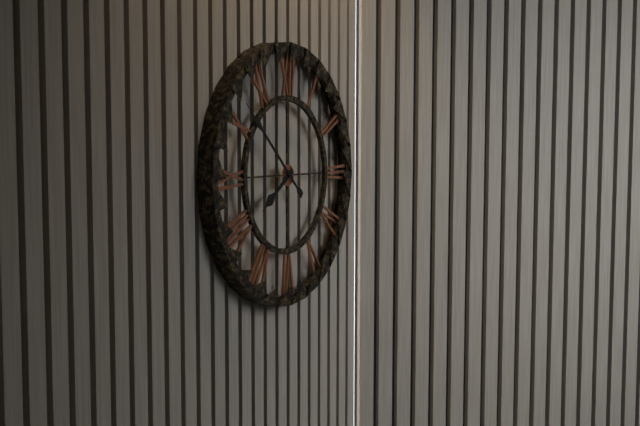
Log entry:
7 h 52 min
